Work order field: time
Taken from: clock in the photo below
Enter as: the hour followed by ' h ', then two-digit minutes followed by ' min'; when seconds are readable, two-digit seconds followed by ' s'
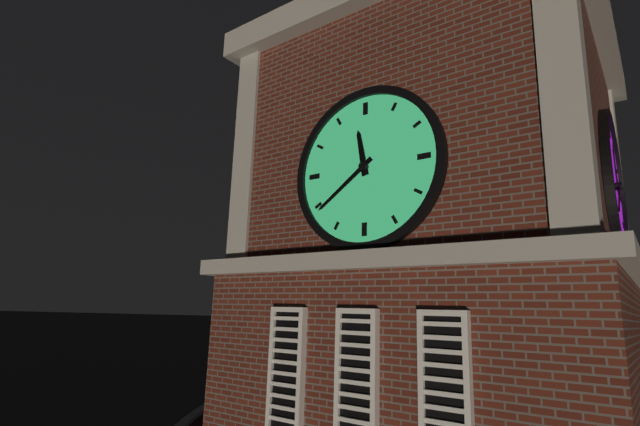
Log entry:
11 h 39 min
